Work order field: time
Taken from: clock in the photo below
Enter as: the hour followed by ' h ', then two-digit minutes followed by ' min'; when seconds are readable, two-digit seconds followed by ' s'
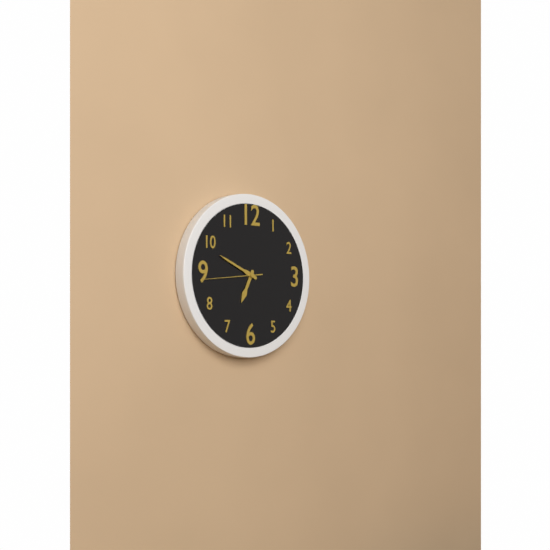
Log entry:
6 h 49 min 44 s
